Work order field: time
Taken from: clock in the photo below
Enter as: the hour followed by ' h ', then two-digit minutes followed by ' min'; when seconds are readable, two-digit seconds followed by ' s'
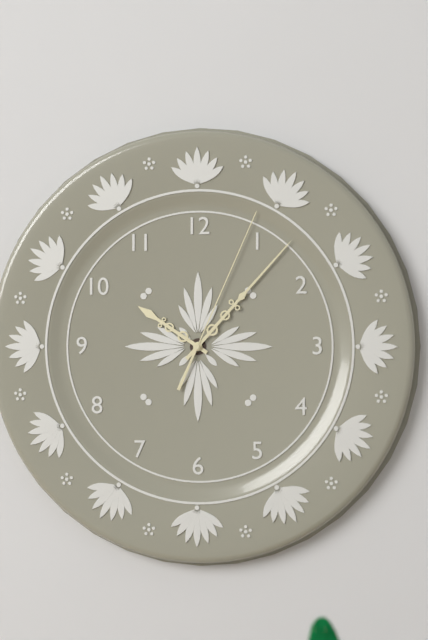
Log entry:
10 h 07 min 04 s
